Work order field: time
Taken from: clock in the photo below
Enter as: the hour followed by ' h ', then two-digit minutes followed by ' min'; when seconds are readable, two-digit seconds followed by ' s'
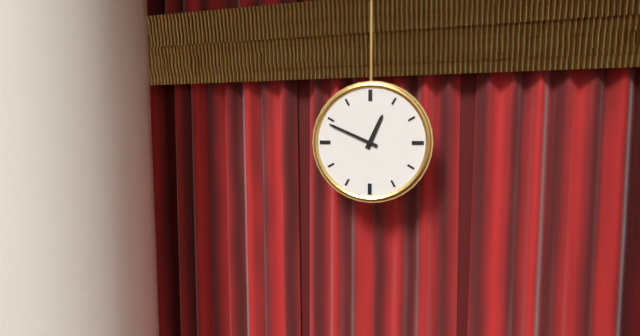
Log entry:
12 h 49 min
